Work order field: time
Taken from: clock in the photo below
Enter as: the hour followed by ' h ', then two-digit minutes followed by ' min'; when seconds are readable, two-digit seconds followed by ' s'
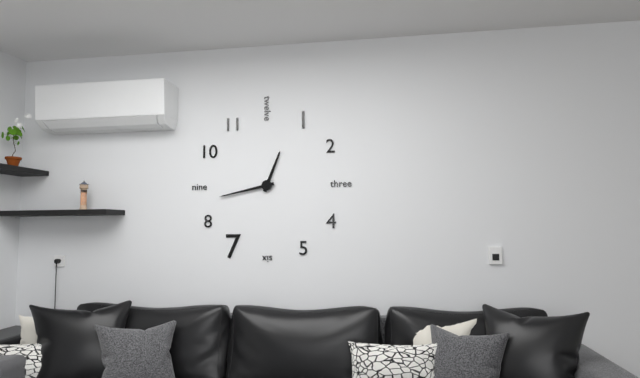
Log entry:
12 h 43 min
